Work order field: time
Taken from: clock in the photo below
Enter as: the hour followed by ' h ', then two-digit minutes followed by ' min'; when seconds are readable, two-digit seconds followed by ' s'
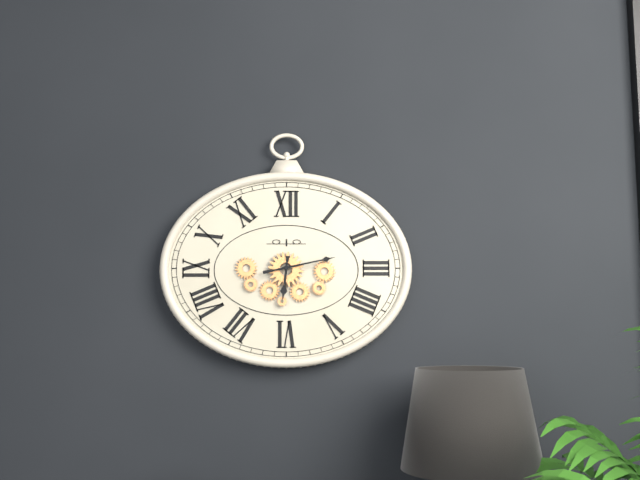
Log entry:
6 h 13 min
